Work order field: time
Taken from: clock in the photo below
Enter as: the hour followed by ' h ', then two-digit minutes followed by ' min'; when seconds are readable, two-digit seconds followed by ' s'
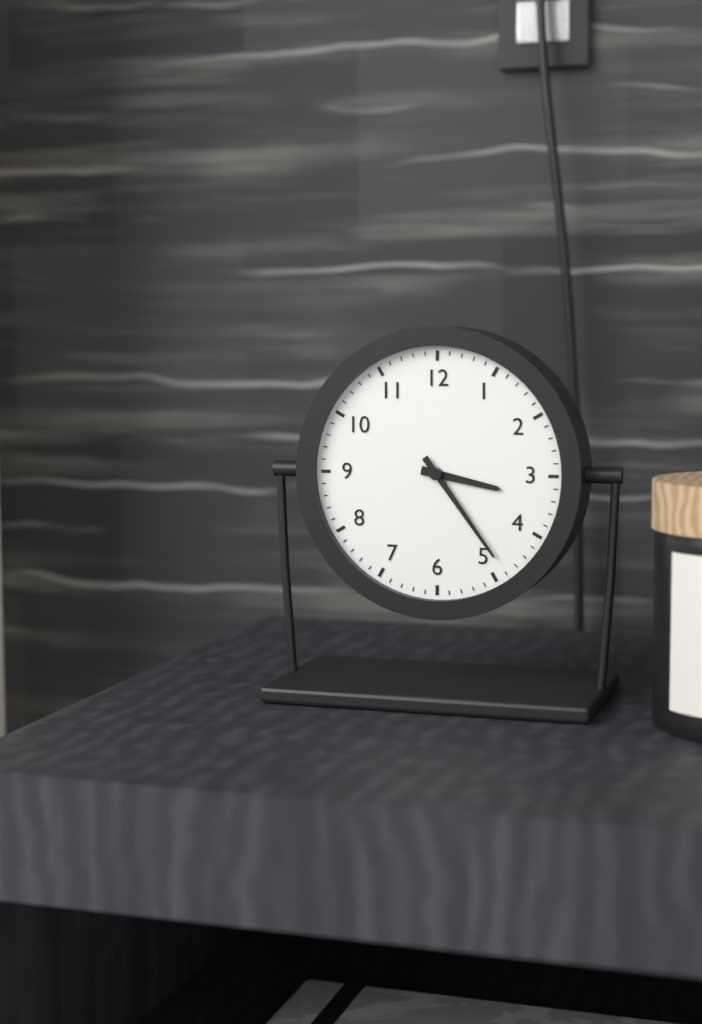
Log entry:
3 h 24 min
